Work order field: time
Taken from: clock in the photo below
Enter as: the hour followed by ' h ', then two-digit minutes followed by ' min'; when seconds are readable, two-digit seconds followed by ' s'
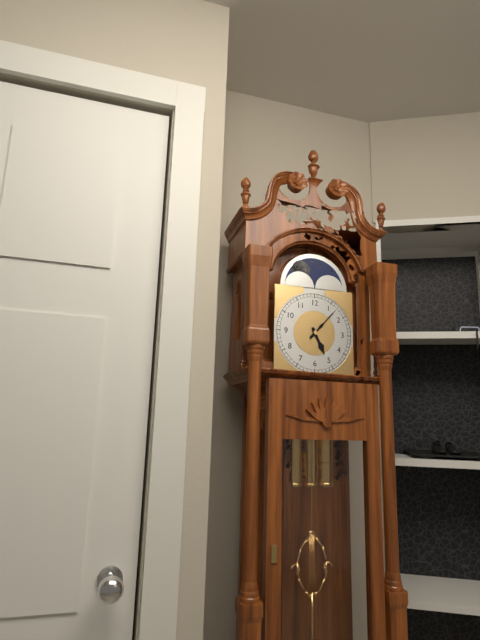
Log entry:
5 h 07 min
